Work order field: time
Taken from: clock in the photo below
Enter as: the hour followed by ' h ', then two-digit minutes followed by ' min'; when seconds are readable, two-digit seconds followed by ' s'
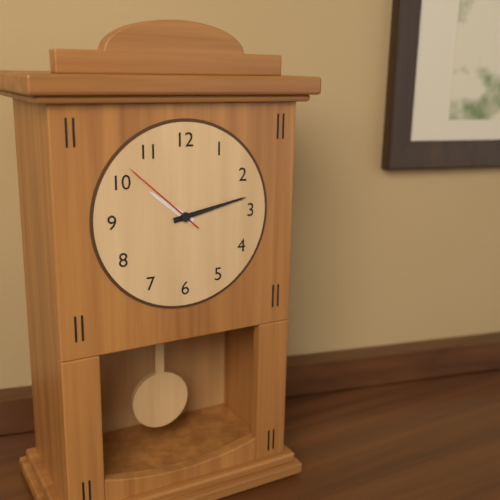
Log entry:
10 h 13 min 52 s
